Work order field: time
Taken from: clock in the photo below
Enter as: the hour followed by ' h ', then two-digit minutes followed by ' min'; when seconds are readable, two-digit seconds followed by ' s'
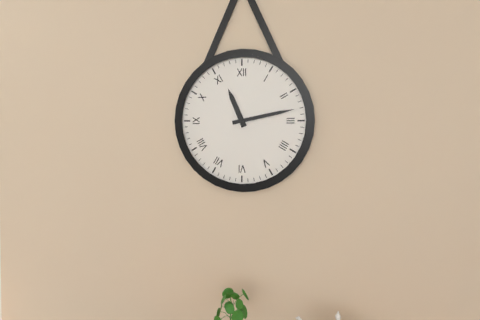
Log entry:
11 h 13 min
